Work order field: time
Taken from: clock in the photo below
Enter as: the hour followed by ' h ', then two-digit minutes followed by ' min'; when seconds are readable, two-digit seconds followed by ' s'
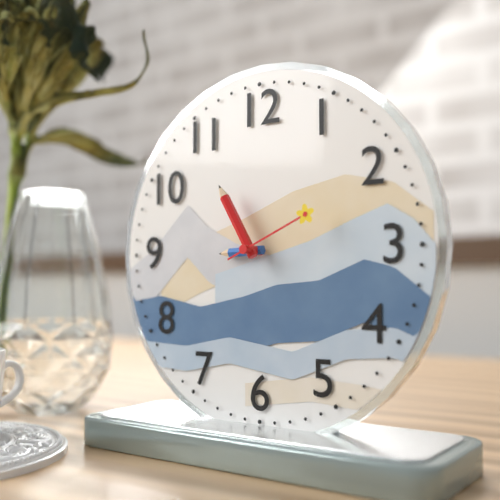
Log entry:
8 h 55 min 11 s
